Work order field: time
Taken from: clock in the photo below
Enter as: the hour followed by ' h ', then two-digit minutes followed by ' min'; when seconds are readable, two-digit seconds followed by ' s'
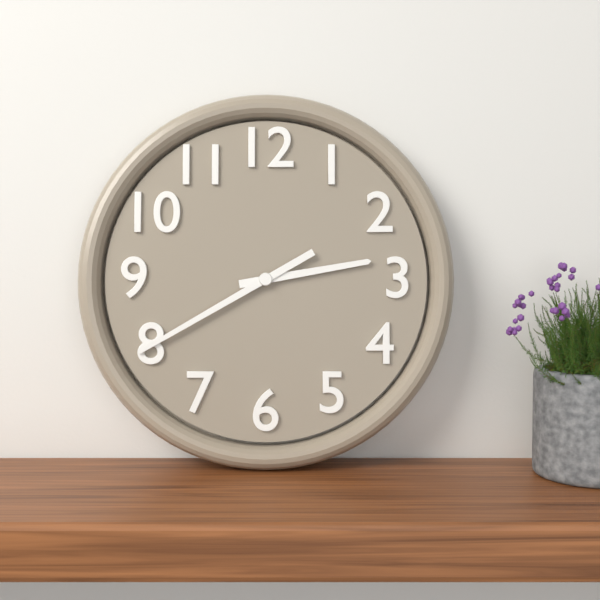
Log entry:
2 h 40 min
